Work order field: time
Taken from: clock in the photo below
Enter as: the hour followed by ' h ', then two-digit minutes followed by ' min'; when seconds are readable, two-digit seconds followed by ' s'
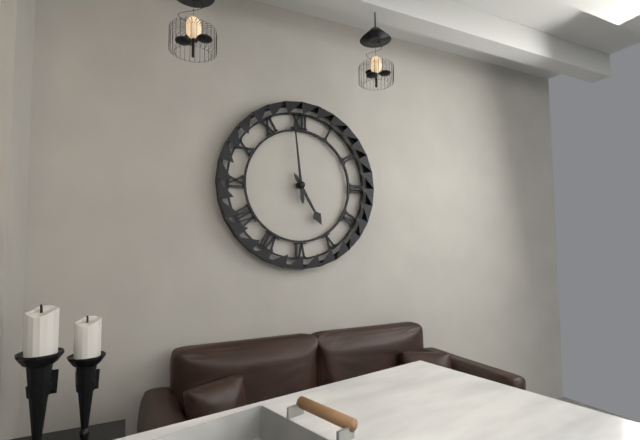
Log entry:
4 h 59 min
